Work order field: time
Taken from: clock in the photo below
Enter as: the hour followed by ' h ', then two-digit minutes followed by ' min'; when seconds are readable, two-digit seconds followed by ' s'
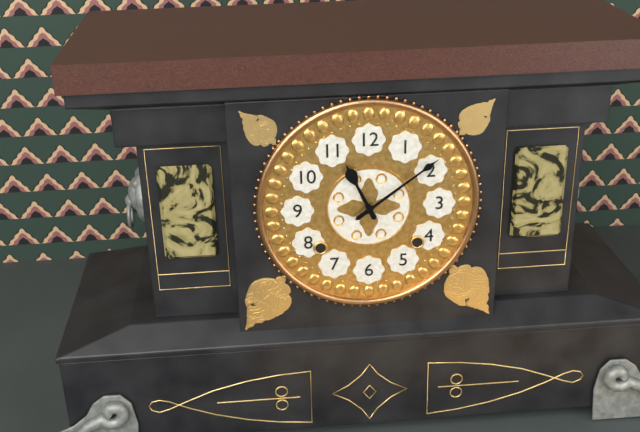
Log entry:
11 h 09 min
